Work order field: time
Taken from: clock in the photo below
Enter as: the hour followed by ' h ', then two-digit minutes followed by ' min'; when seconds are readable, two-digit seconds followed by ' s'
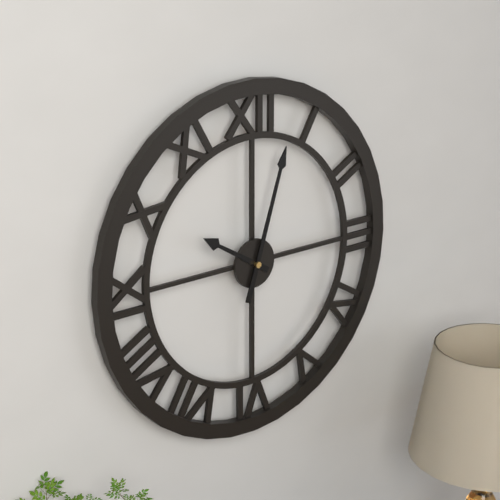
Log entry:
10 h 03 min
